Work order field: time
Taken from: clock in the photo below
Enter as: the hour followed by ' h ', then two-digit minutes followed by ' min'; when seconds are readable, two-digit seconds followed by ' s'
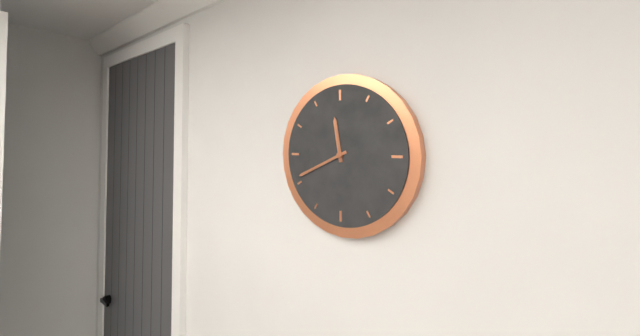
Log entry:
11 h 41 min
